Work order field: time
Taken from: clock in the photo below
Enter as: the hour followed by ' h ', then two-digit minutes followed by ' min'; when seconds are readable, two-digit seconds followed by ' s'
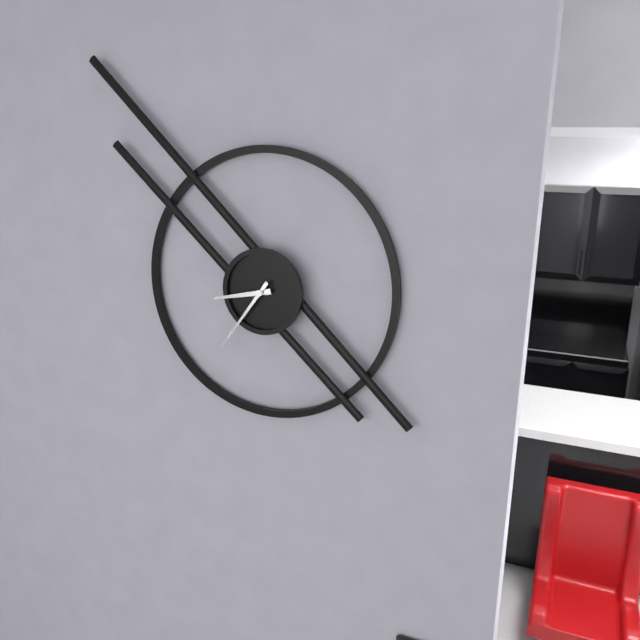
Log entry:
8 h 36 min
